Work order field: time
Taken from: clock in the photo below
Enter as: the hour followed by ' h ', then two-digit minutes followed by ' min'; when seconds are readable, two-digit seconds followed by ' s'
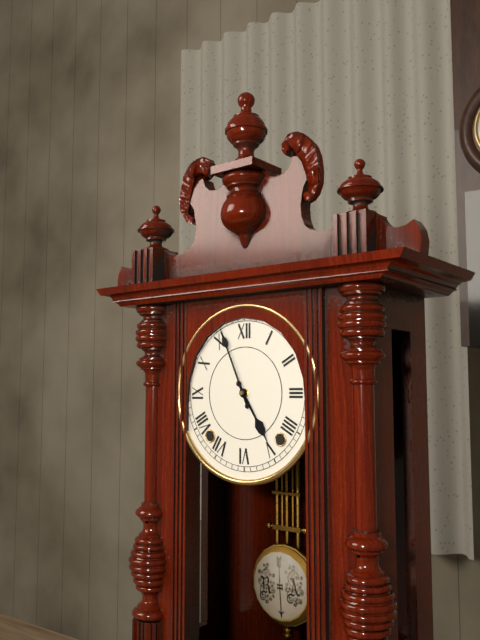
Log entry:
4 h 56 min
